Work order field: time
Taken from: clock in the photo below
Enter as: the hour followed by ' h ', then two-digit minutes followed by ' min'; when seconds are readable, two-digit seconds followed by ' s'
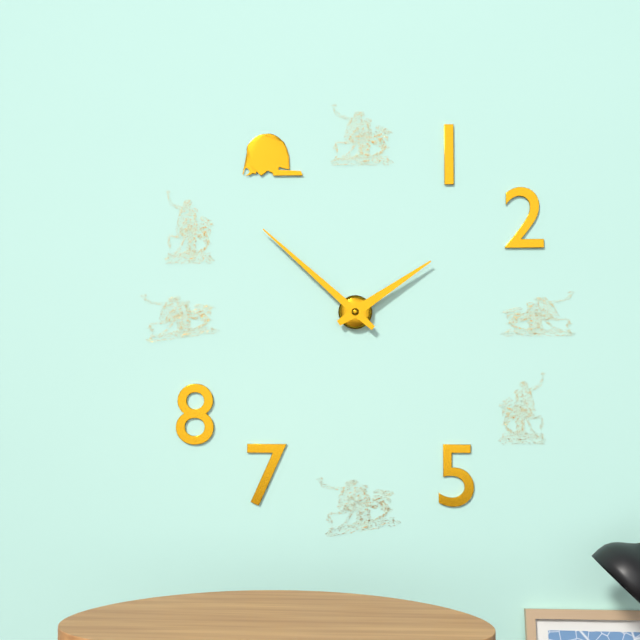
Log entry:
1 h 52 min
